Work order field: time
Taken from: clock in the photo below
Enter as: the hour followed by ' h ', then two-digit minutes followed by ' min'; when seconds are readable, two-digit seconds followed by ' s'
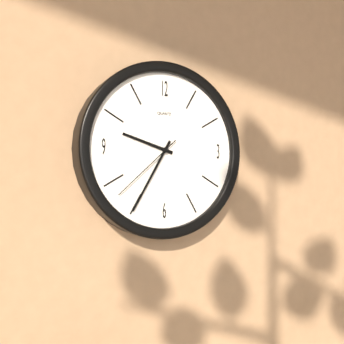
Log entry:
9 h 35 min 38 s
